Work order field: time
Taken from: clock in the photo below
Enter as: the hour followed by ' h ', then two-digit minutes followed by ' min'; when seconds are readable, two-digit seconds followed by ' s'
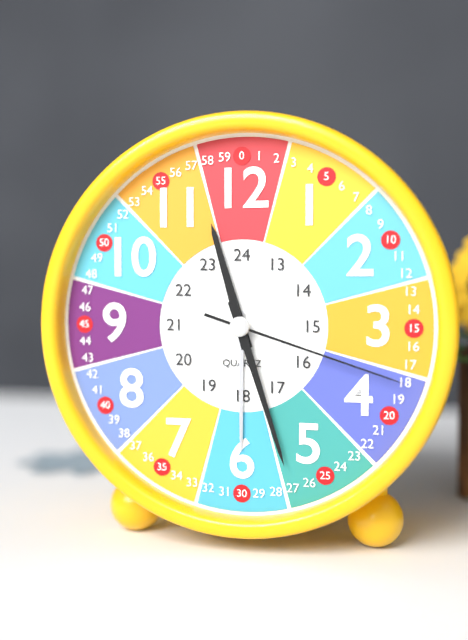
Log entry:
11 h 27 min 18 s
